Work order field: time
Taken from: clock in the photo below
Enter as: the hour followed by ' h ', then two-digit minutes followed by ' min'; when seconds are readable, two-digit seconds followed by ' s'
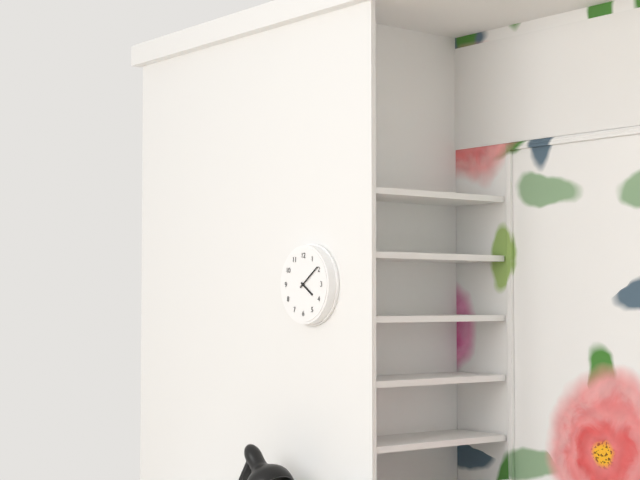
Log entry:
4 h 09 min
